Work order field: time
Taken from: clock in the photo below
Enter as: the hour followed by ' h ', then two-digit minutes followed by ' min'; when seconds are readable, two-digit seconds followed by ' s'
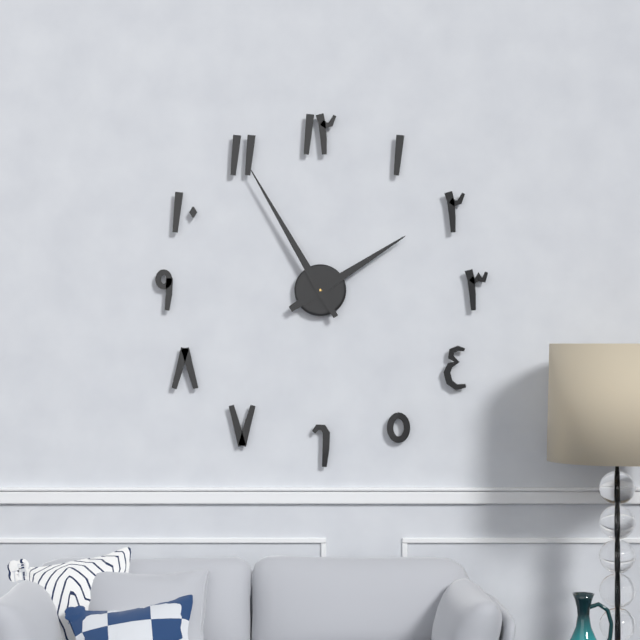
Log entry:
1 h 55 min
